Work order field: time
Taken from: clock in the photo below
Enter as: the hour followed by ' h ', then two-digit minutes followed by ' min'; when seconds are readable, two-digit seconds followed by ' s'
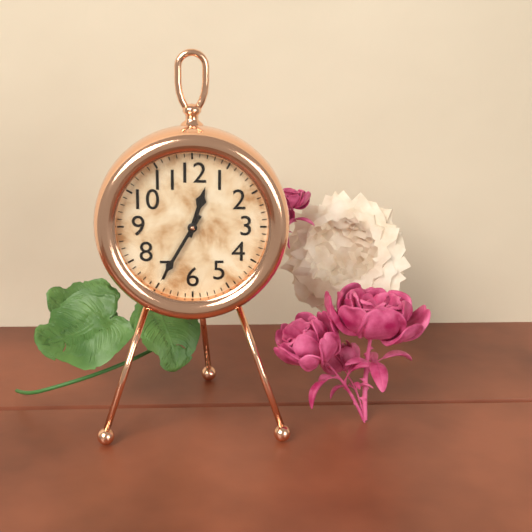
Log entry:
12 h 35 min
